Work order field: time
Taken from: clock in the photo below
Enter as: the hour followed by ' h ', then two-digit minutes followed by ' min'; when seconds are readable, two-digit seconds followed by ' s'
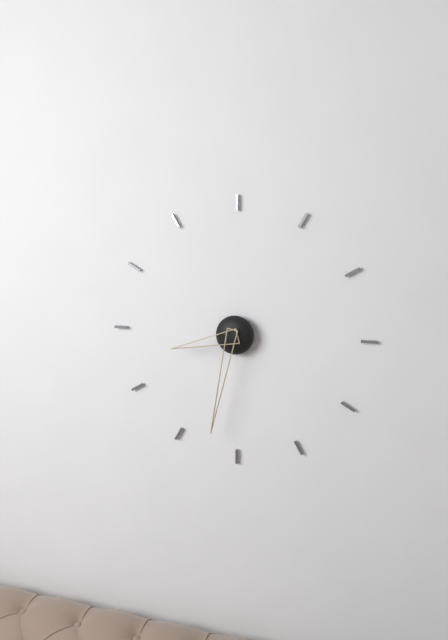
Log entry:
8 h 32 min
